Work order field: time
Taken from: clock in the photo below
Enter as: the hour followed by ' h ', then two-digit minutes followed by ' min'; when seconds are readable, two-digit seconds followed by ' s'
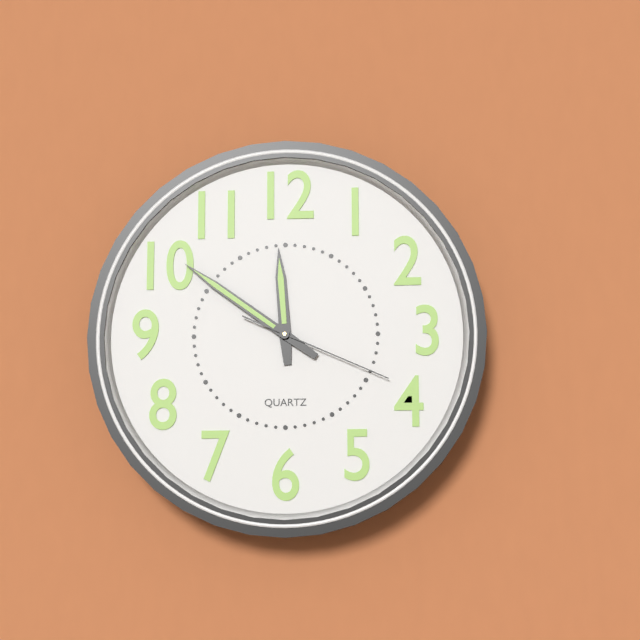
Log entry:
11 h 51 min 19 s
